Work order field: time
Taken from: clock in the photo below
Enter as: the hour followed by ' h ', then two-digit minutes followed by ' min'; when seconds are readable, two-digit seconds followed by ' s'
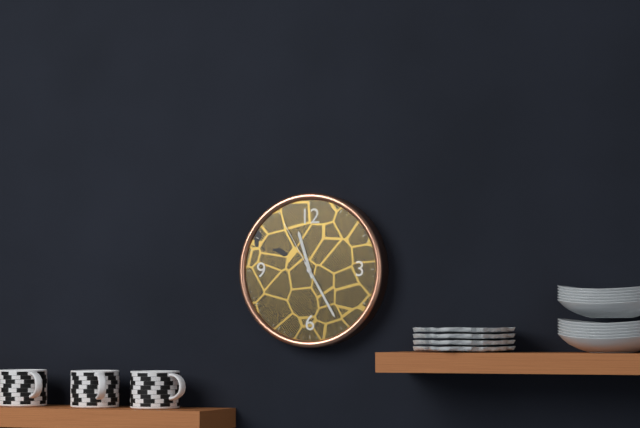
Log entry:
11 h 25 min 55 s
